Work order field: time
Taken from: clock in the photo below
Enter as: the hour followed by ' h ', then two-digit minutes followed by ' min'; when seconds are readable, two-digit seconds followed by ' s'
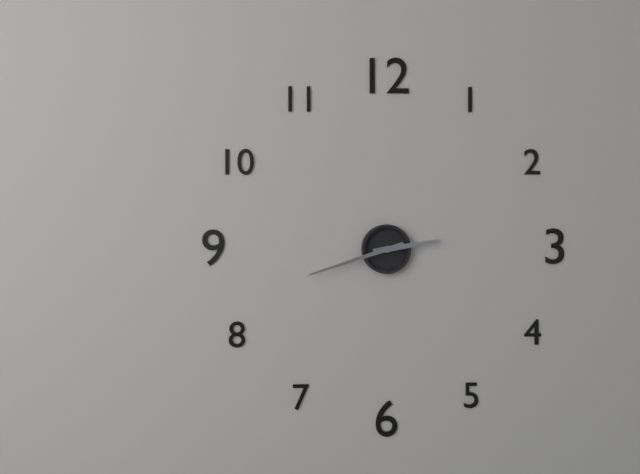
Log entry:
2 h 42 min
